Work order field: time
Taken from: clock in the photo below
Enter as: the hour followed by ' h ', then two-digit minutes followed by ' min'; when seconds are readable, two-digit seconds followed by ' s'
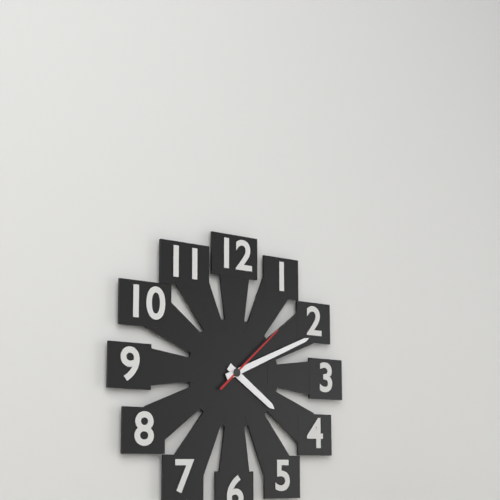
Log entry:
4 h 11 min 08 s
